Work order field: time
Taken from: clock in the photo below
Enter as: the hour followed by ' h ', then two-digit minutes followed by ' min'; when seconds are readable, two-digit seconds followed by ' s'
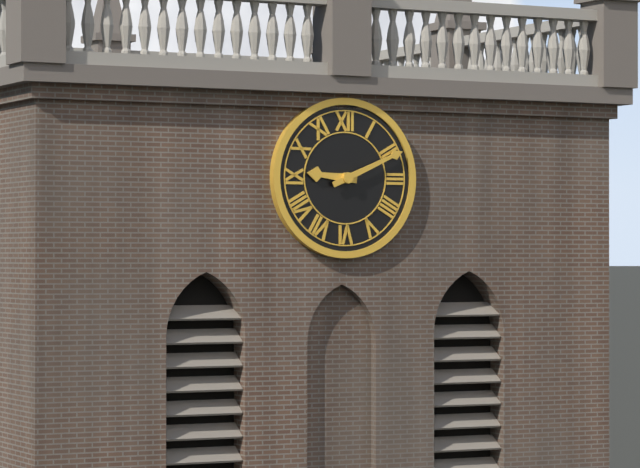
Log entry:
9 h 11 min
